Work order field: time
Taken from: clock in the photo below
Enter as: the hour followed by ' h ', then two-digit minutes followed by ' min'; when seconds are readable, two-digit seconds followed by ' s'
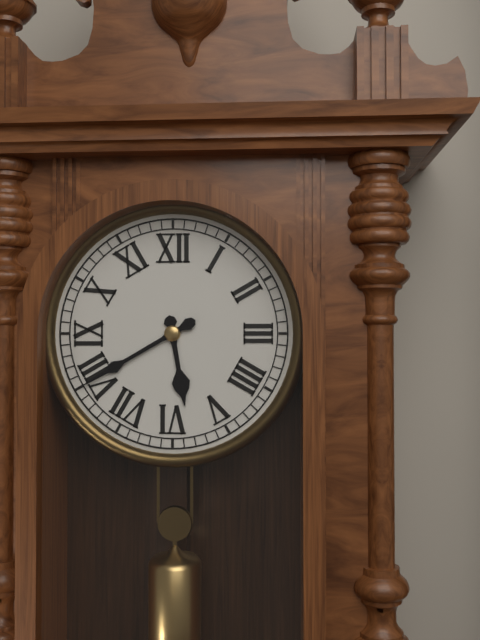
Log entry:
5 h 40 min
